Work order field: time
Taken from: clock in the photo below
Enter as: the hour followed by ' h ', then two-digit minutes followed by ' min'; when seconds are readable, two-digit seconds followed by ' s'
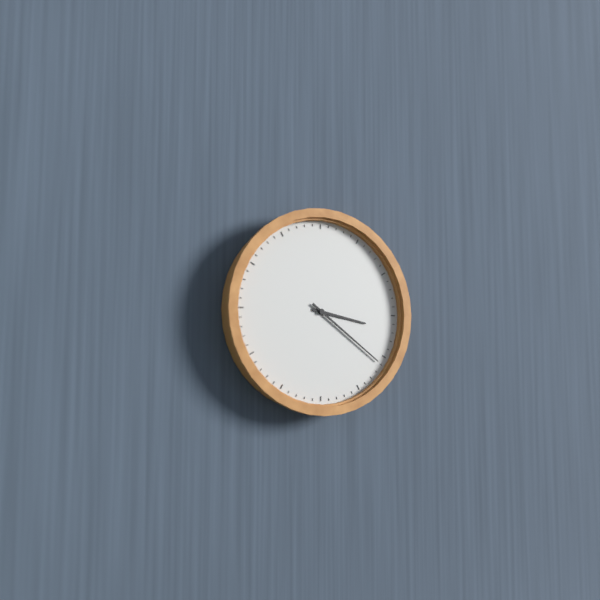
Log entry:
3 h 21 min
